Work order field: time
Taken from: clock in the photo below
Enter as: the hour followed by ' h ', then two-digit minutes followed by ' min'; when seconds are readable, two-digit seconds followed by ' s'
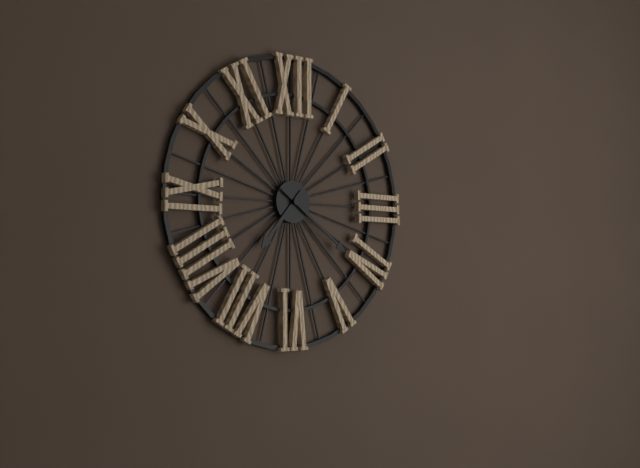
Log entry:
7 h 21 min
